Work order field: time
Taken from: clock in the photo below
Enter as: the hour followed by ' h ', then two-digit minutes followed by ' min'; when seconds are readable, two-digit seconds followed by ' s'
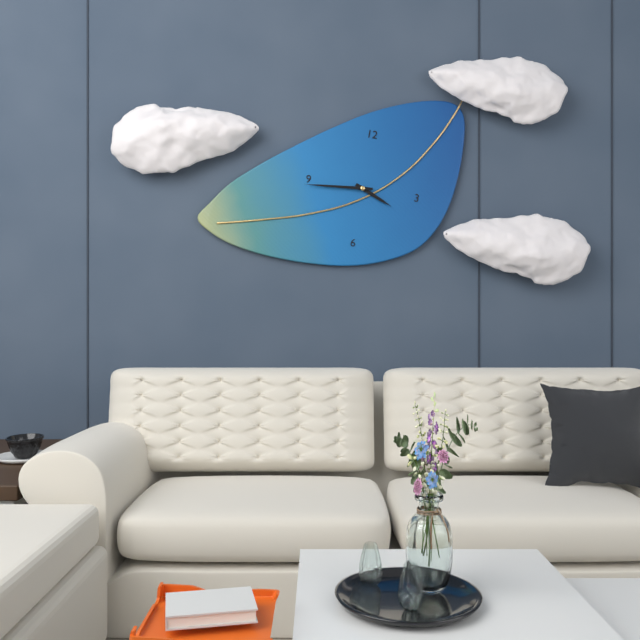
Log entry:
3 h 44 min
